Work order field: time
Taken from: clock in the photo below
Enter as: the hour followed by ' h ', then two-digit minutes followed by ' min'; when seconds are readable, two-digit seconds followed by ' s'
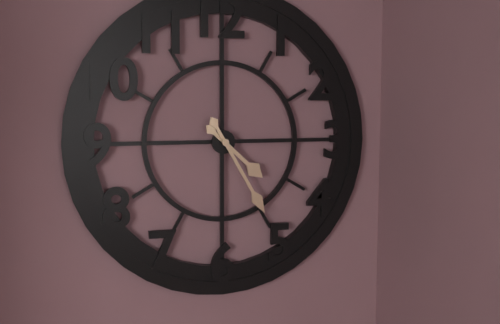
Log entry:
4 h 25 min
